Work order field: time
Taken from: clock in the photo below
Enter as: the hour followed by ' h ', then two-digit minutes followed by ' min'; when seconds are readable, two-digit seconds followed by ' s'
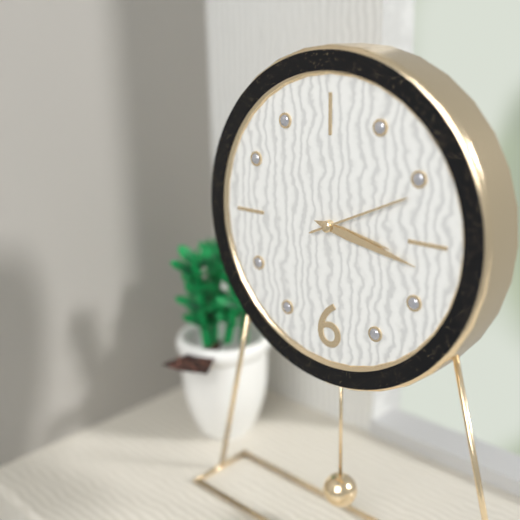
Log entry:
3 h 17 min 11 s
